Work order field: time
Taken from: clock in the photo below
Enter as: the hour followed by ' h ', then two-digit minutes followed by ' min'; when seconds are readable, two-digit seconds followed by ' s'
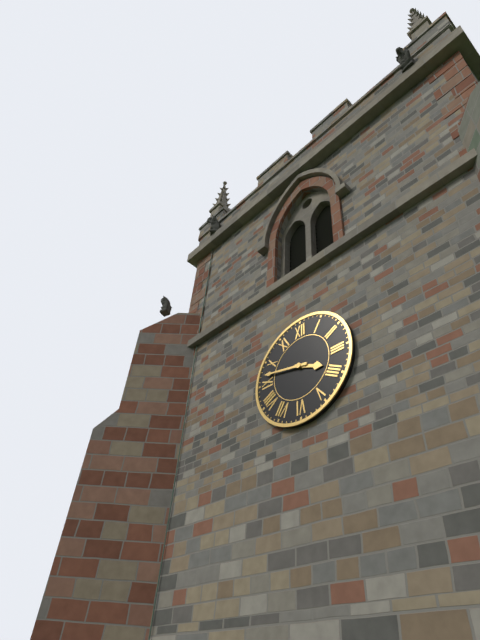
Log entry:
3 h 47 min
